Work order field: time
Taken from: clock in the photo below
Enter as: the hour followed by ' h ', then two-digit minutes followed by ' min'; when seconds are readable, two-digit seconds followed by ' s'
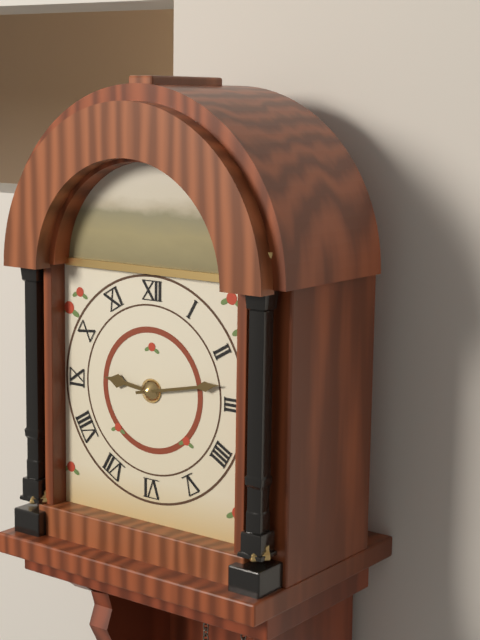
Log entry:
9 h 13 min
